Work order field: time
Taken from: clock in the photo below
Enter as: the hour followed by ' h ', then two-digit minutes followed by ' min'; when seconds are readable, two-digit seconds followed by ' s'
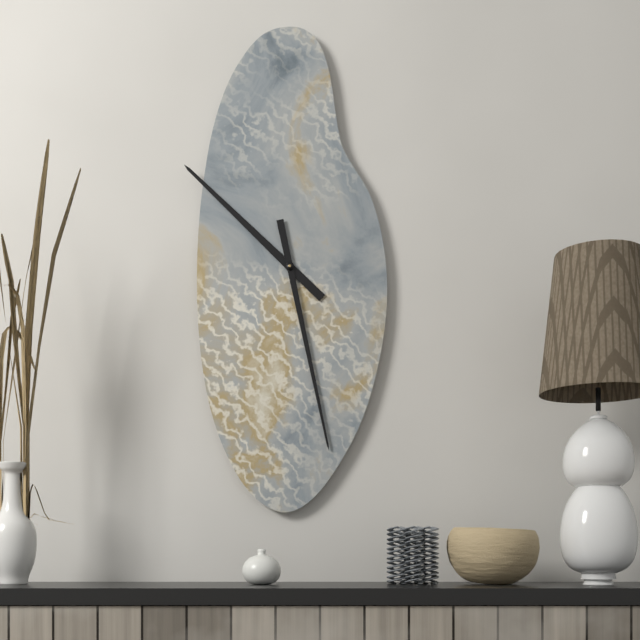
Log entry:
10 h 28 min
